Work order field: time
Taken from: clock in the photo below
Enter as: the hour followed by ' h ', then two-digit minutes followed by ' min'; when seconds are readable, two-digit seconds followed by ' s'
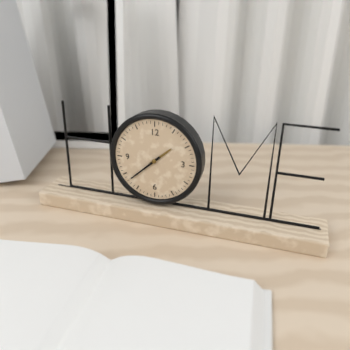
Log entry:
1 h 38 min
